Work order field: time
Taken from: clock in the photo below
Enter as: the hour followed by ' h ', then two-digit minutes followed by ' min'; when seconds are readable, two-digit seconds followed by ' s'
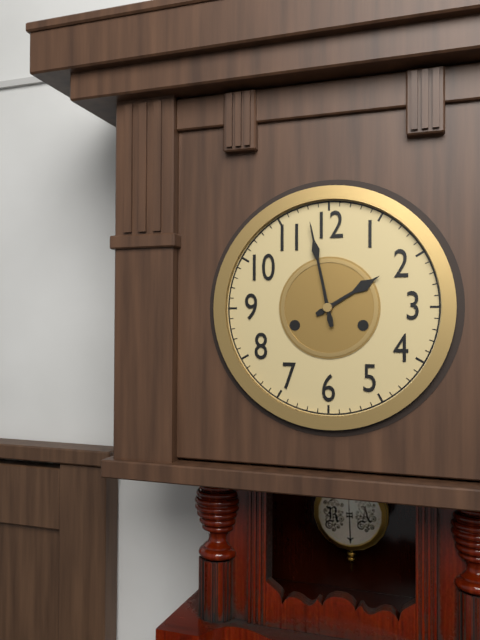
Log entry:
1 h 58 min
